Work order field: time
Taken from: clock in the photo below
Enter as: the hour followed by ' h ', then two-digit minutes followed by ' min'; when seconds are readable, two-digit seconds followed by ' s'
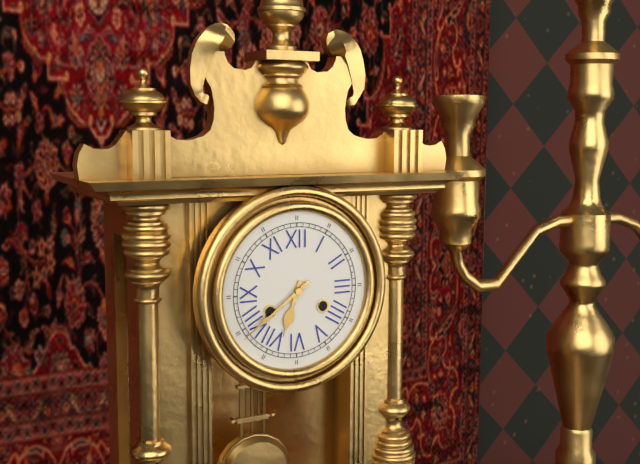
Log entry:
6 h 39 min
